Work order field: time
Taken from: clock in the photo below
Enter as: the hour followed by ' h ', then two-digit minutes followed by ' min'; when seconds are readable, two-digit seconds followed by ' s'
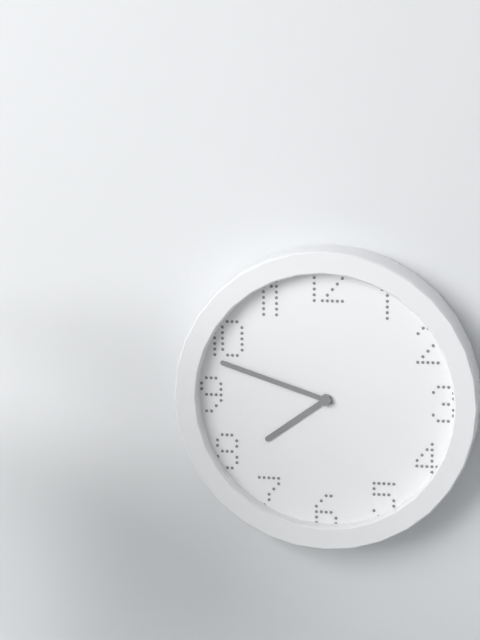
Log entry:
7 h 48 min
